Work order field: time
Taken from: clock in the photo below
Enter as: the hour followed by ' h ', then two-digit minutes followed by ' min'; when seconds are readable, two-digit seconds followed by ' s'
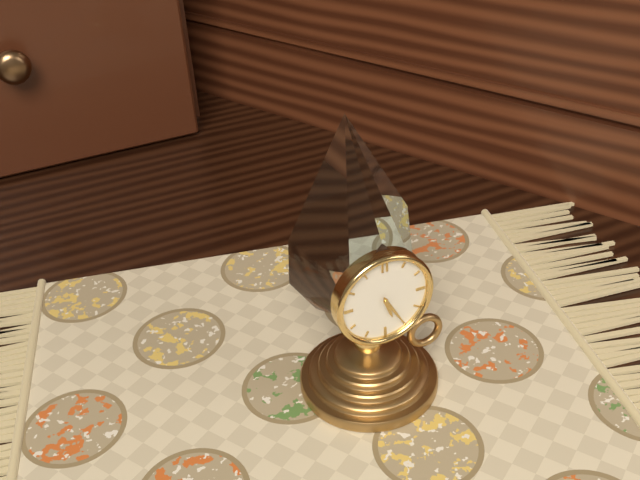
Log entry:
5 h 25 min
